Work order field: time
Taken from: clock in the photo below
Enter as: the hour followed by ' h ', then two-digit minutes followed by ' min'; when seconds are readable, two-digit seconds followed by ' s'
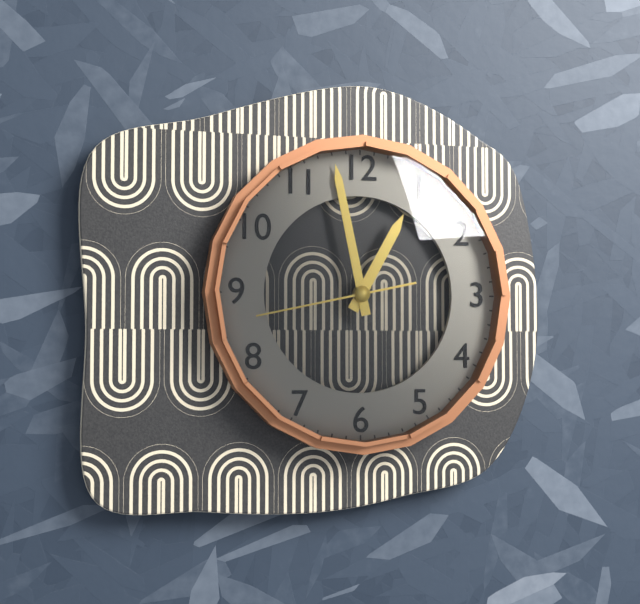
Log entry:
12 h 58 min 43 s
